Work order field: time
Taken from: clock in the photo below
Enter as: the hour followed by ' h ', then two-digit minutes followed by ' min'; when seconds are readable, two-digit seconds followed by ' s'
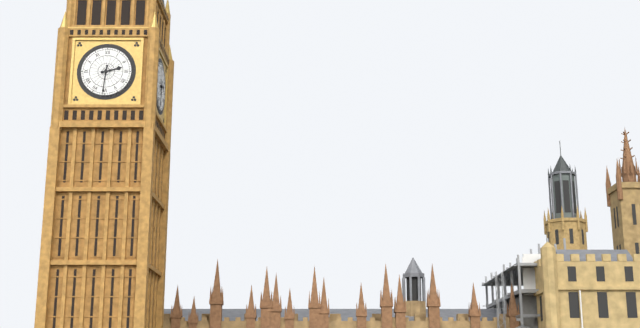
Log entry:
2 h 31 min
